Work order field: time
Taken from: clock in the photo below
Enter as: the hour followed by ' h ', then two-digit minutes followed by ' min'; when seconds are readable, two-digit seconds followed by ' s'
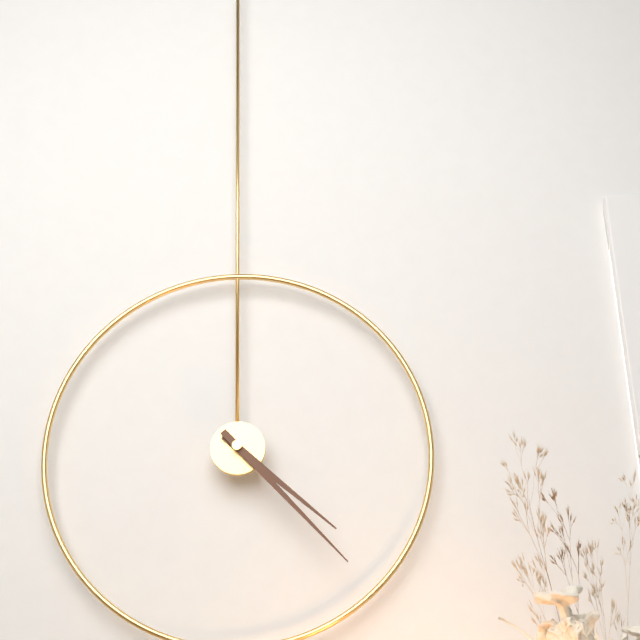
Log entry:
4 h 23 min
